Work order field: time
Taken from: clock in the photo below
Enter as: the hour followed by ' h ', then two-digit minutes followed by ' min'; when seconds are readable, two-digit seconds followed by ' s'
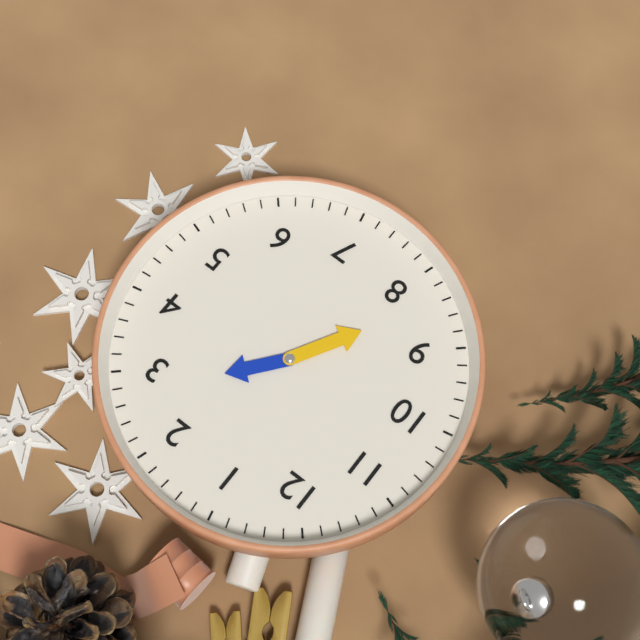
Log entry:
2 h 42 min
